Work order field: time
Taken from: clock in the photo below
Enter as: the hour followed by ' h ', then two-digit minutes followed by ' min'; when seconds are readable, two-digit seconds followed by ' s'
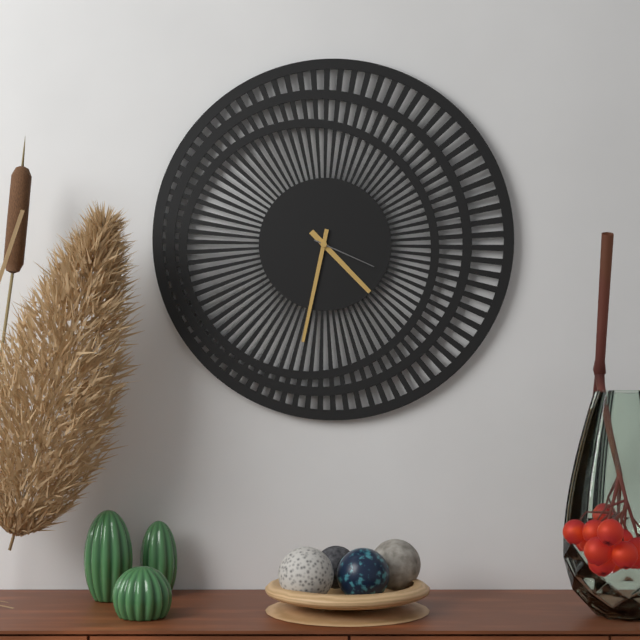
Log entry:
4 h 32 min 19 s
